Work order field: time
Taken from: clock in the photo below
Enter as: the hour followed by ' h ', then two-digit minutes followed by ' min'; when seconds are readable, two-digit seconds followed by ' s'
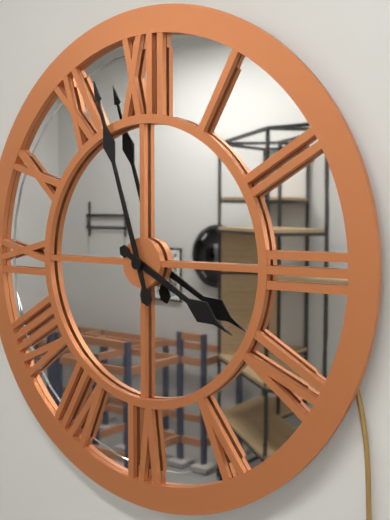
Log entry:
3 h 57 min
